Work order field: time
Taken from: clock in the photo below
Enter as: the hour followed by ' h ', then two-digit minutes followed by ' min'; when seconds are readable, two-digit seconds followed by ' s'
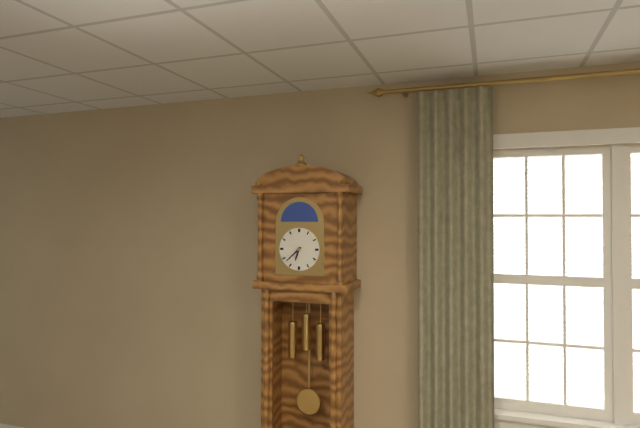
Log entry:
6 h 38 min
